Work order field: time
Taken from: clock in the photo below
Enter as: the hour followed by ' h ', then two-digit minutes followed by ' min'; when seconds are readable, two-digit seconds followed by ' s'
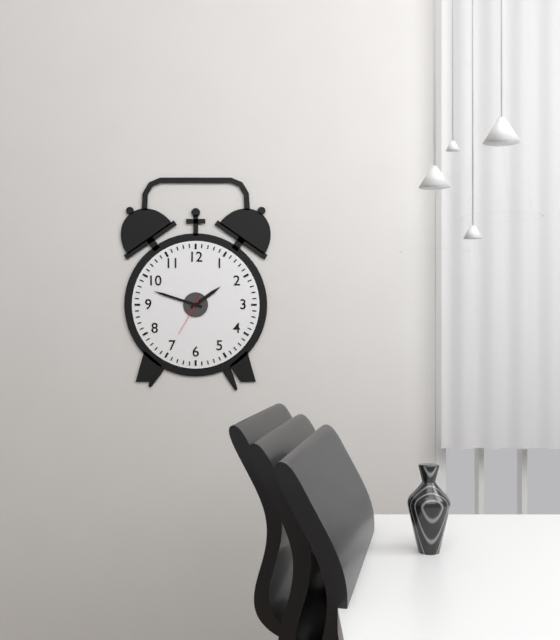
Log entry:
1 h 48 min
